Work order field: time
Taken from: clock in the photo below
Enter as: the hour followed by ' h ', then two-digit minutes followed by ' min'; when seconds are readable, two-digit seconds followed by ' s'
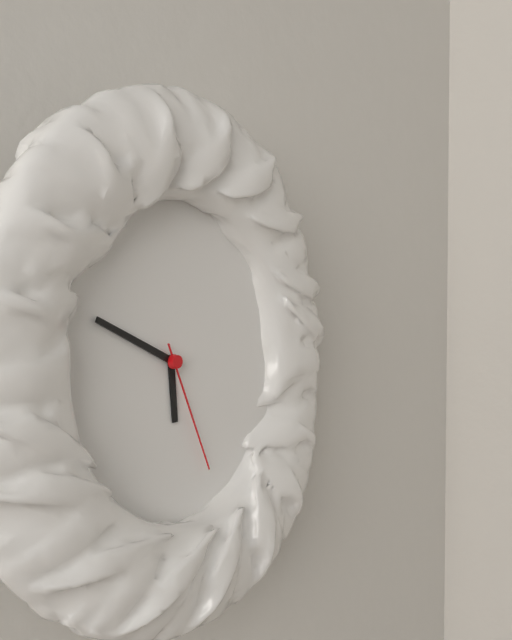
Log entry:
5 h 49 min 26 s
